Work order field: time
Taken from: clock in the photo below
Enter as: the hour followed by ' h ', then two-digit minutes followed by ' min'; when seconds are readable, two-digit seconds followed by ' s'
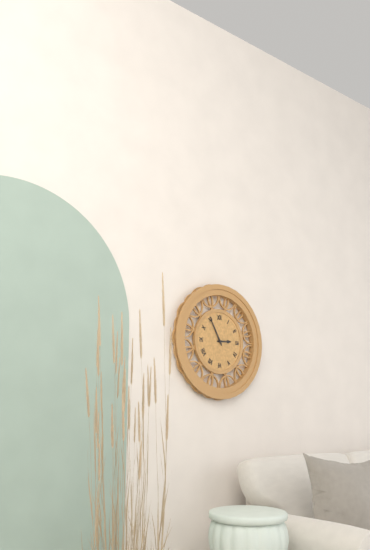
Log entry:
2 h 55 min
